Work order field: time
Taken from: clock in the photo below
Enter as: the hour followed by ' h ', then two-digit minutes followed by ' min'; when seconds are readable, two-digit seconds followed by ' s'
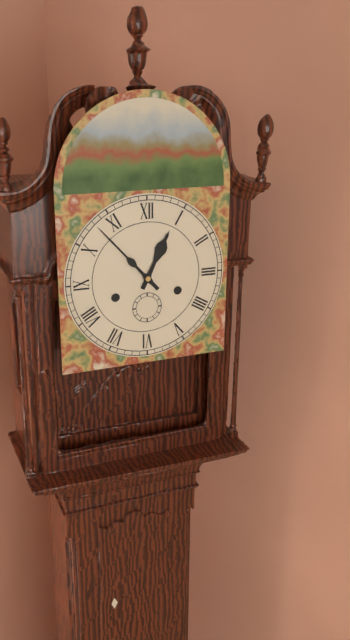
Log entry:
12 h 53 min
